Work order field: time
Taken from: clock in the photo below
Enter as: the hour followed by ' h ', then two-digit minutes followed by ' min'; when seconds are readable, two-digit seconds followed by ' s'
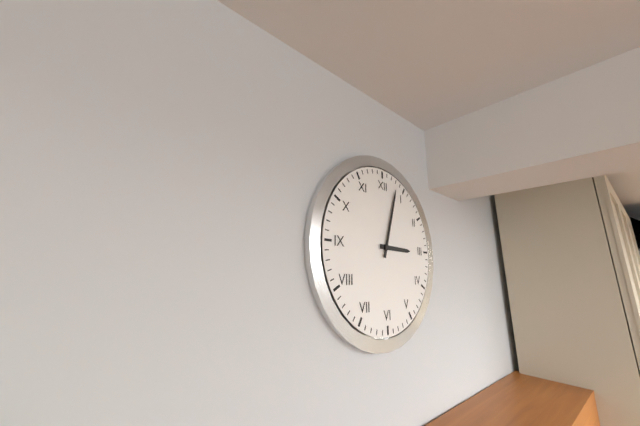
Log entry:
3 h 03 min
